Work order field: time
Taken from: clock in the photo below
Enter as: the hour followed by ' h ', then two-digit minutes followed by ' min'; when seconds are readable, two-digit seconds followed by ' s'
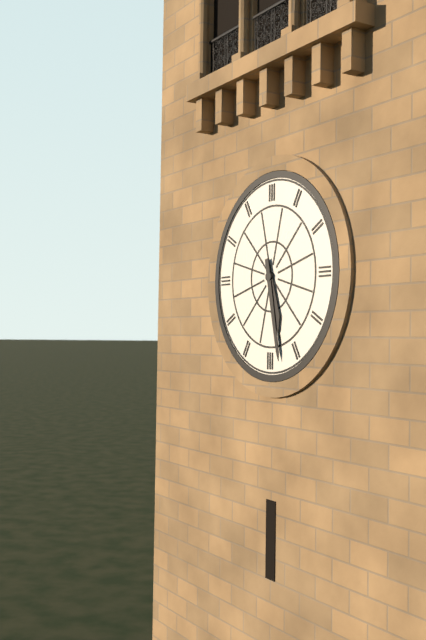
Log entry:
5 h 28 min
